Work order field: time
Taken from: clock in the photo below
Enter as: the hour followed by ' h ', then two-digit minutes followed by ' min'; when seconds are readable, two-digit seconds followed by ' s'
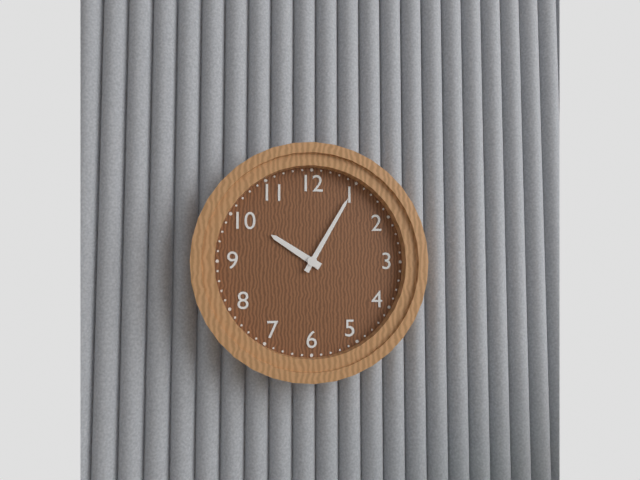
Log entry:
10 h 05 min
